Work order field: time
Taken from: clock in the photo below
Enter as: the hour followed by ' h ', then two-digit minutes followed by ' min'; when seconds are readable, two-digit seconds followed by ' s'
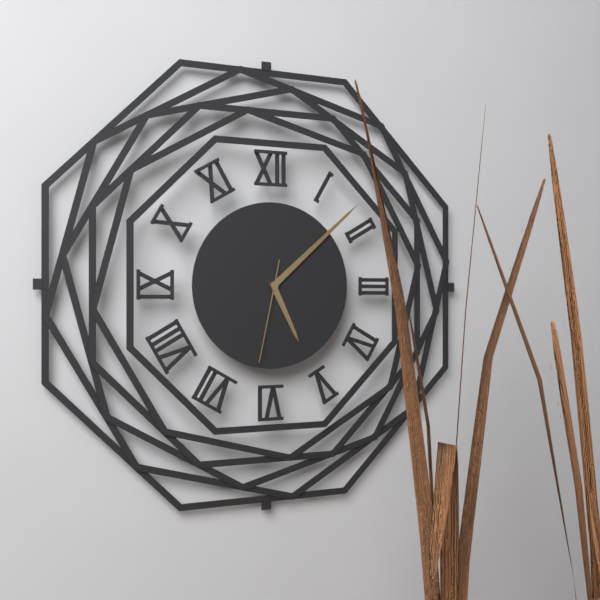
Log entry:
5 h 08 min 32 s
